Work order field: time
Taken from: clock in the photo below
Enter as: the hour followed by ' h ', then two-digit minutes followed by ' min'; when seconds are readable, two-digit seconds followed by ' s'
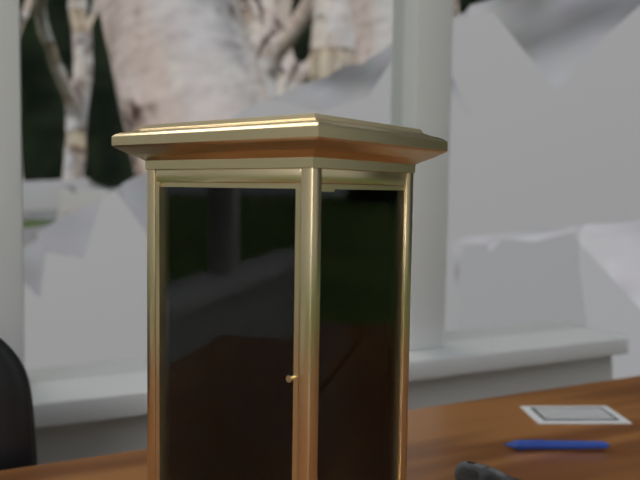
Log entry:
8 h 05 min
